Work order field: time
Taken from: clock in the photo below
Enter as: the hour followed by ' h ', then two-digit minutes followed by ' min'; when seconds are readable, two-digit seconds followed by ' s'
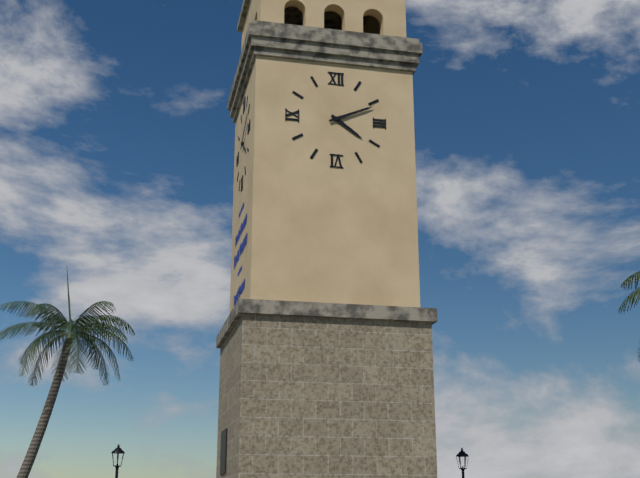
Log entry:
4 h 11 min
